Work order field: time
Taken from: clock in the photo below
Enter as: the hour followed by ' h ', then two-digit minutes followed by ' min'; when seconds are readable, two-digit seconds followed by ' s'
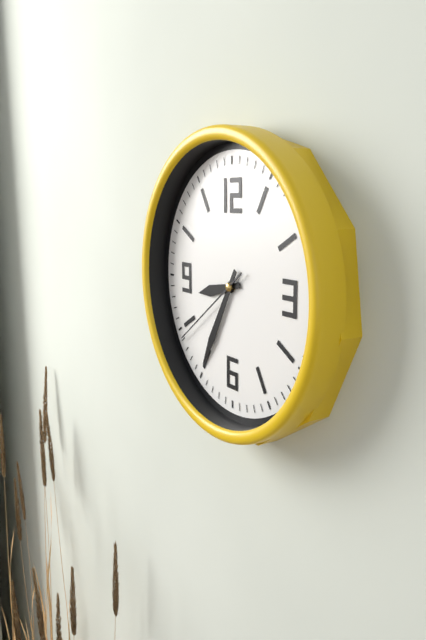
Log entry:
8 h 35 min 39 s
